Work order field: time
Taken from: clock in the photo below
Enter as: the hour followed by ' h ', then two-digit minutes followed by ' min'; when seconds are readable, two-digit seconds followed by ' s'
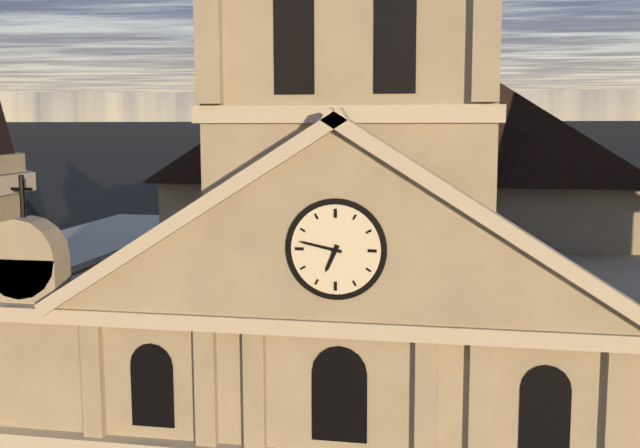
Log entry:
6 h 47 min
